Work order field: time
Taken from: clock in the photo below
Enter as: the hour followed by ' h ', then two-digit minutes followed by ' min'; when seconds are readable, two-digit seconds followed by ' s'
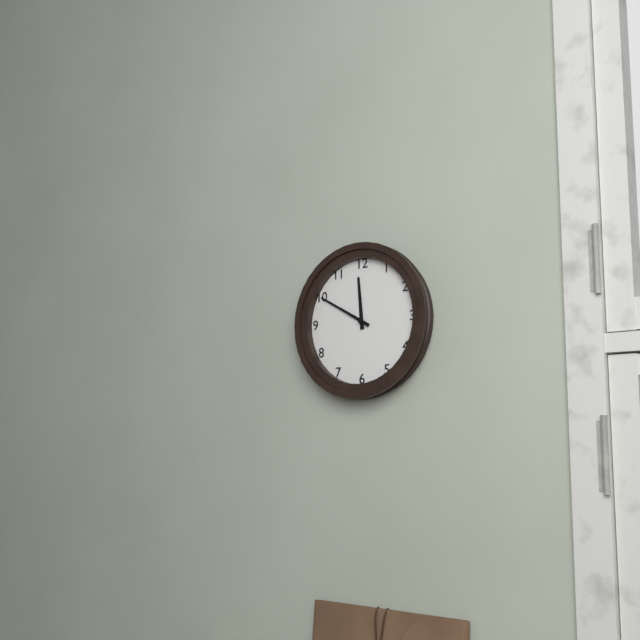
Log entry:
11 h 50 min
